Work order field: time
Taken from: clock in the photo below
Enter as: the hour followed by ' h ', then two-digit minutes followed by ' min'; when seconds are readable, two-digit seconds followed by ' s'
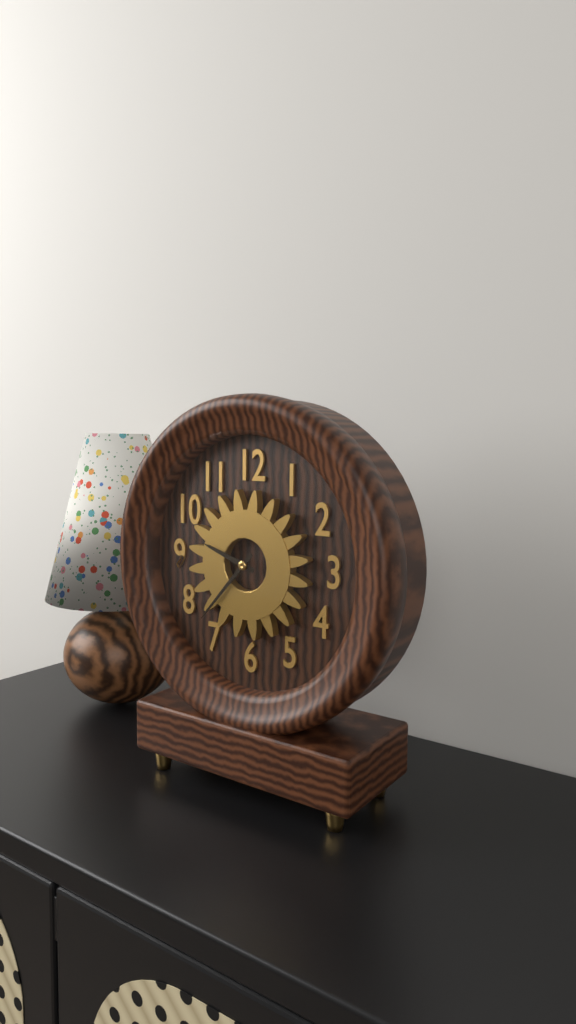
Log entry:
9 h 37 min
